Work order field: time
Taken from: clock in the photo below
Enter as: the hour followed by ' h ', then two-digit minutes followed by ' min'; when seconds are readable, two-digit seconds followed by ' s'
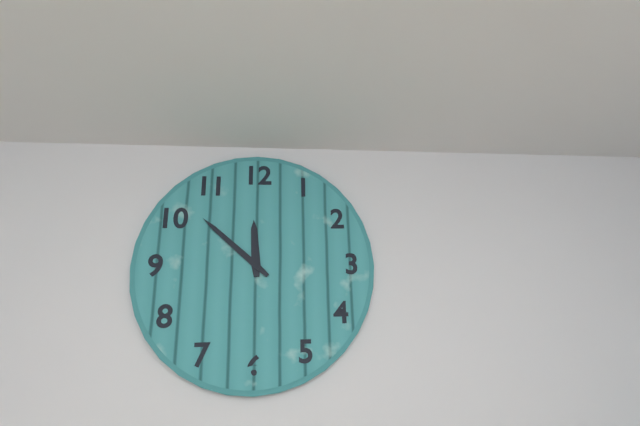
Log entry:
11 h 52 min
